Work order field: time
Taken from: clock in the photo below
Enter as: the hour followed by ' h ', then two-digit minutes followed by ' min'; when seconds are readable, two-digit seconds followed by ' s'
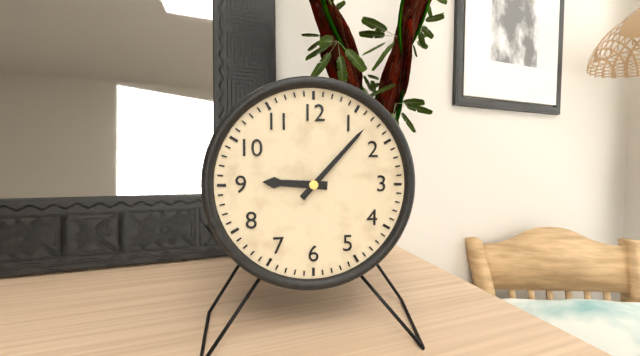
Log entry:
9 h 07 min
